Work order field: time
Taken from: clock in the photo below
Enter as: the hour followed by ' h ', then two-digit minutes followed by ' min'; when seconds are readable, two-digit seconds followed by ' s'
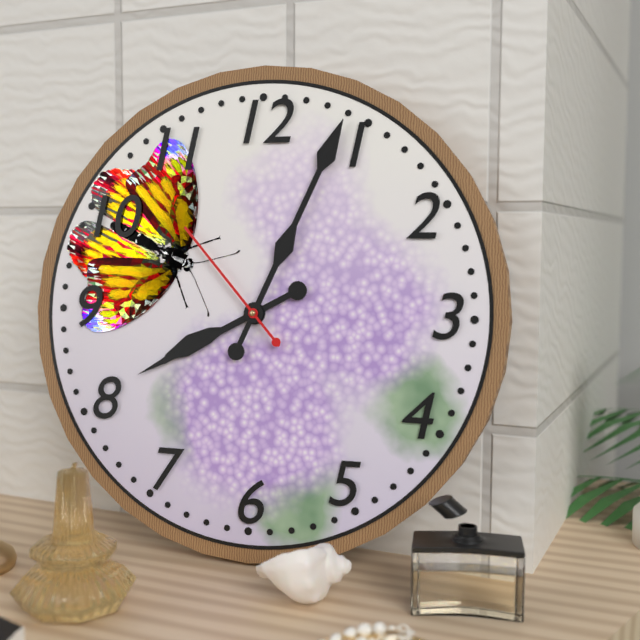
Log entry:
8 h 04 min 53 s
